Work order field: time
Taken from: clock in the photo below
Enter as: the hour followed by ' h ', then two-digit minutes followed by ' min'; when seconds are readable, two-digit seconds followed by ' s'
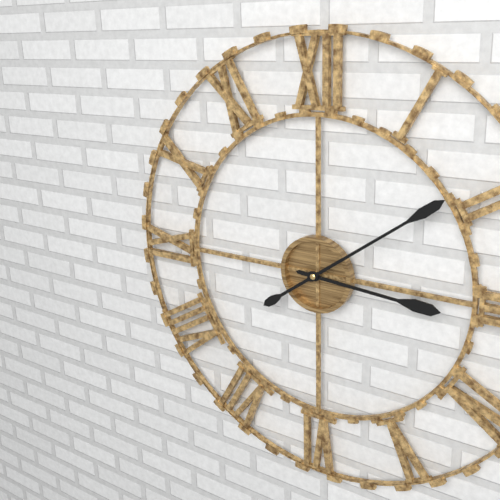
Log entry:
3 h 09 min
